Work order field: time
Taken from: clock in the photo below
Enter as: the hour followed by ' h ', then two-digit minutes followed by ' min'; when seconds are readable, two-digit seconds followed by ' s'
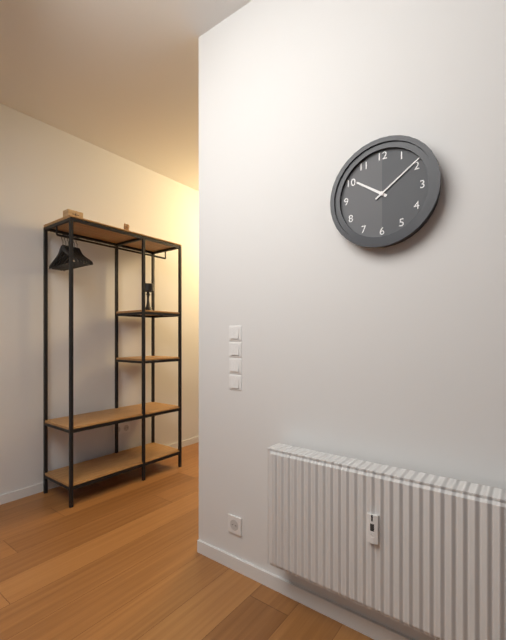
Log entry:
10 h 09 min
